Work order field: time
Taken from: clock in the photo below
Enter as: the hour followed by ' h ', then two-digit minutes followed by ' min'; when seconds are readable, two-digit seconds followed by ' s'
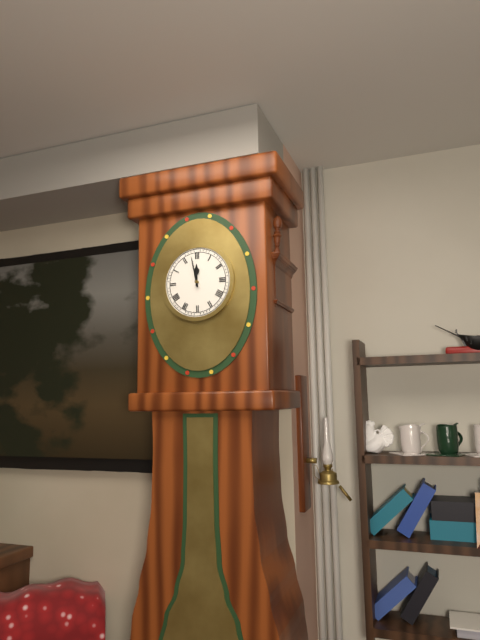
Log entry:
11 h 58 min
